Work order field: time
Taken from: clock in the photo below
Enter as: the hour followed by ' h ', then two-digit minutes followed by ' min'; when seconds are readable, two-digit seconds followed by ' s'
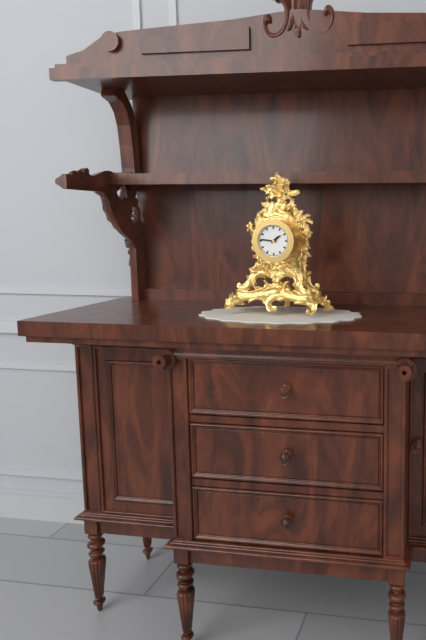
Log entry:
1 h 46 min
